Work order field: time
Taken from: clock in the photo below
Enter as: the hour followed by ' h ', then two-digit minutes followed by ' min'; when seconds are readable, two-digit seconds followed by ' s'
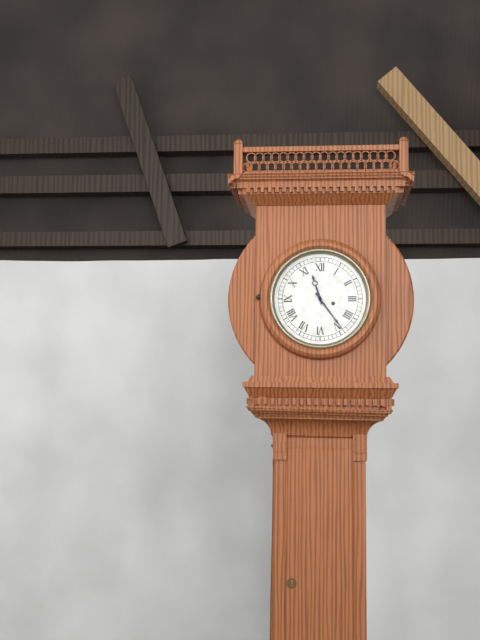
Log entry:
11 h 24 min
